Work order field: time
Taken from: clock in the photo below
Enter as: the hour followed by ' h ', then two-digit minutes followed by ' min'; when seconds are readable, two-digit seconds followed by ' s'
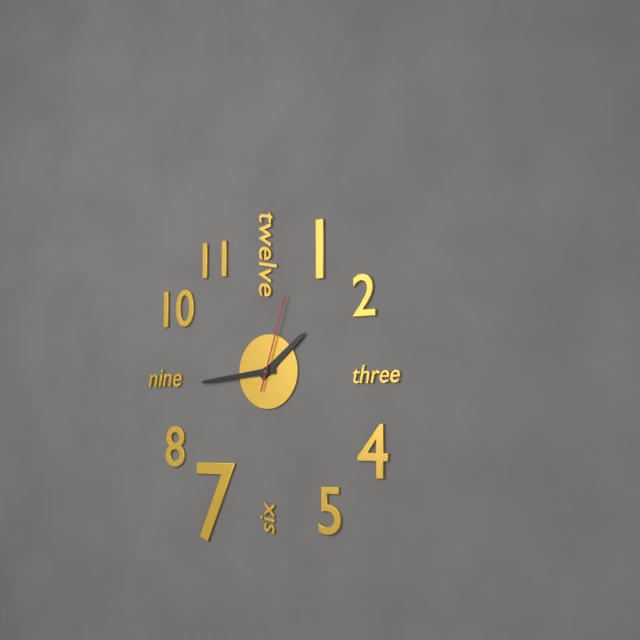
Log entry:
1 h 44 min 03 s
